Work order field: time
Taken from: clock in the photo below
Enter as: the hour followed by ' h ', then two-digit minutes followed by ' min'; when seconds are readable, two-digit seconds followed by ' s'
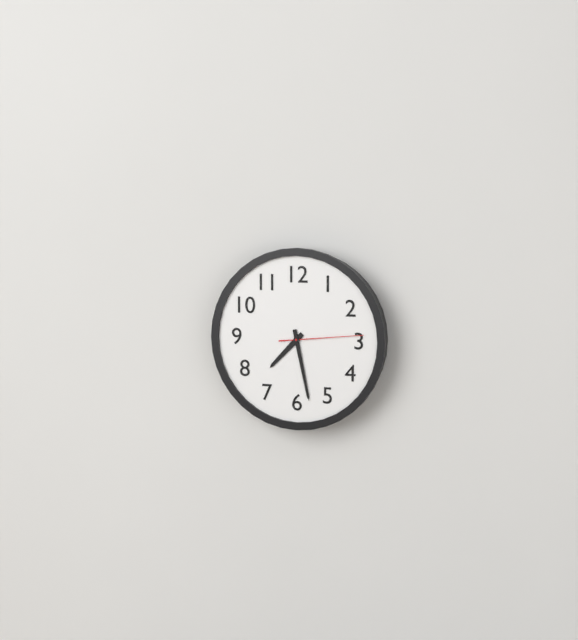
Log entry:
7 h 28 min 14 s
